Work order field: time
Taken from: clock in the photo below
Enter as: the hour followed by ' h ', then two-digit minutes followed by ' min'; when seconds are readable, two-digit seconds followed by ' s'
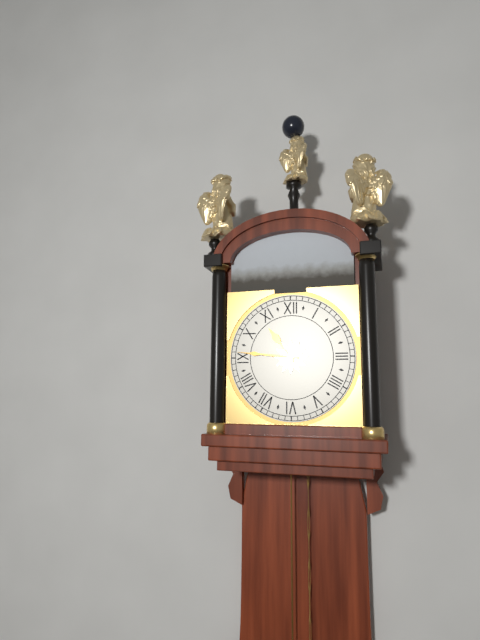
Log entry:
10 h 46 min
